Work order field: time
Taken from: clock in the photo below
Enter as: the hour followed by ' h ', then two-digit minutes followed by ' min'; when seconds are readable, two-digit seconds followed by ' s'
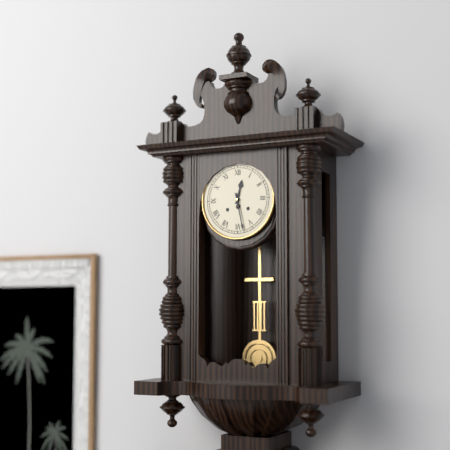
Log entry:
12 h 28 min
